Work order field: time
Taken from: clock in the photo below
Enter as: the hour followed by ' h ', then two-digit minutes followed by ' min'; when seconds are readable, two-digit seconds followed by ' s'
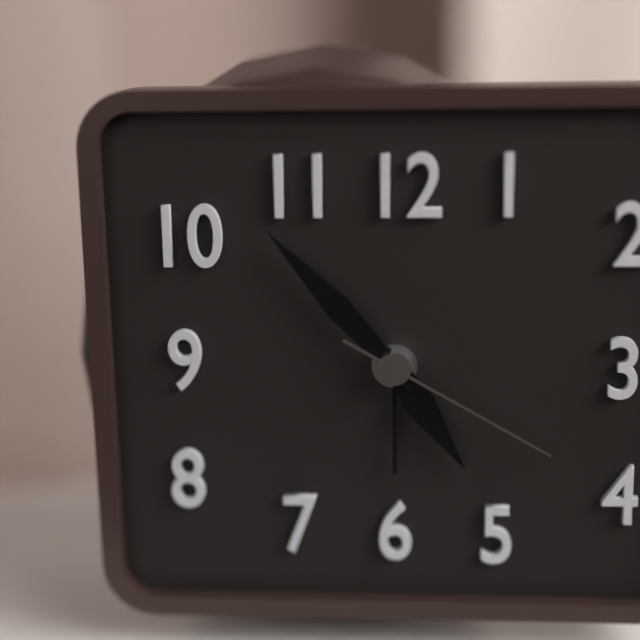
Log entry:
4 h 53 min 20 s
